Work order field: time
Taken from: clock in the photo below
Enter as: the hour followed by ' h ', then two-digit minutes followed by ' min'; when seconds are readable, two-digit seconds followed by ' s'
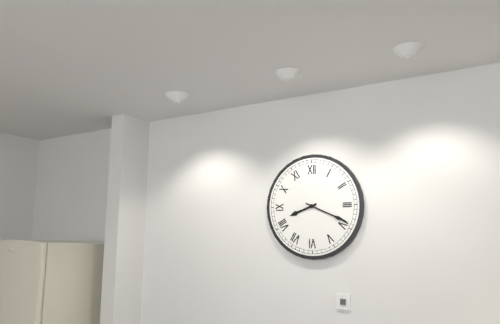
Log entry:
8 h 19 min
